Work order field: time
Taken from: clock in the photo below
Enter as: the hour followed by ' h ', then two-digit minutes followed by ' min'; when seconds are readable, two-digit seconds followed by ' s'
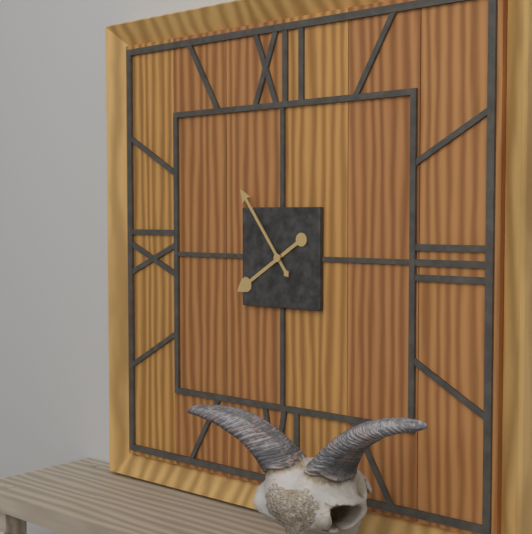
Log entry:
7 h 54 min
